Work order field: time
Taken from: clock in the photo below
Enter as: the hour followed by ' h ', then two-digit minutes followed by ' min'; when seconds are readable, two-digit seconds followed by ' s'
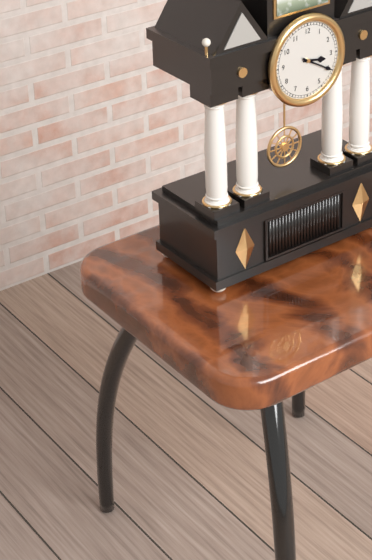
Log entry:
3 h 20 min
